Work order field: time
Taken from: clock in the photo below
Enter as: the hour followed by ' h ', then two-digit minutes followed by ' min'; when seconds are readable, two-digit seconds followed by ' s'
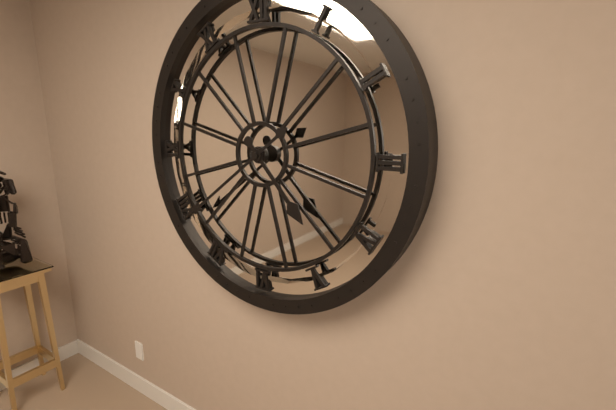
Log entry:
4 h 39 min
